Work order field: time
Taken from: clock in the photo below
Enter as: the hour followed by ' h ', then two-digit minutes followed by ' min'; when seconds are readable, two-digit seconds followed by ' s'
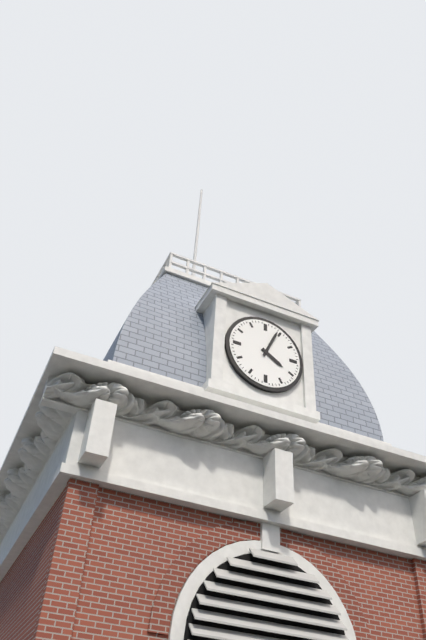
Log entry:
4 h 04 min
